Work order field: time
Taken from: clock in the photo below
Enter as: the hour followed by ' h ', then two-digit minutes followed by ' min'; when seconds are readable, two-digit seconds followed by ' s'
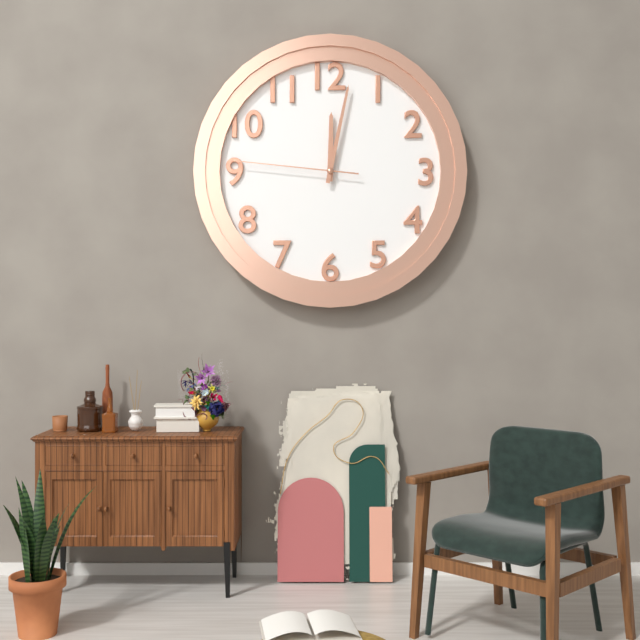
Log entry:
12 h 02 min 46 s
